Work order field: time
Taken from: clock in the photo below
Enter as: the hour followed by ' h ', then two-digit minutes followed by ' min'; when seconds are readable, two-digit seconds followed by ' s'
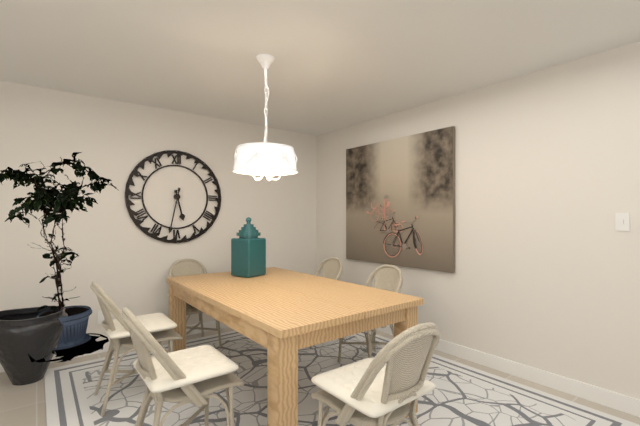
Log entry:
5 h 32 min
